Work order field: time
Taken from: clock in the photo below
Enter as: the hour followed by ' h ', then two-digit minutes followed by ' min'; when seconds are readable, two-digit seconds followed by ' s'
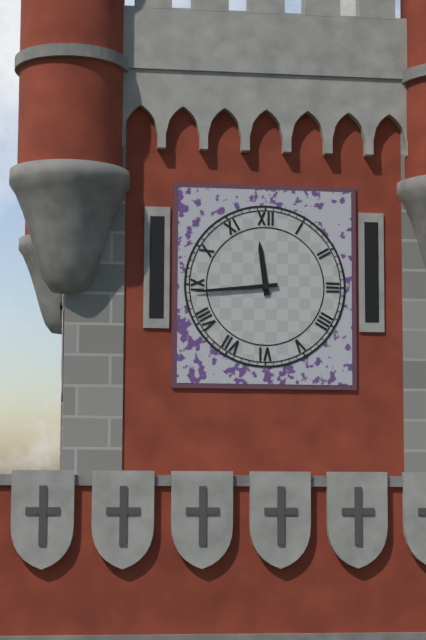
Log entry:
11 h 44 min
